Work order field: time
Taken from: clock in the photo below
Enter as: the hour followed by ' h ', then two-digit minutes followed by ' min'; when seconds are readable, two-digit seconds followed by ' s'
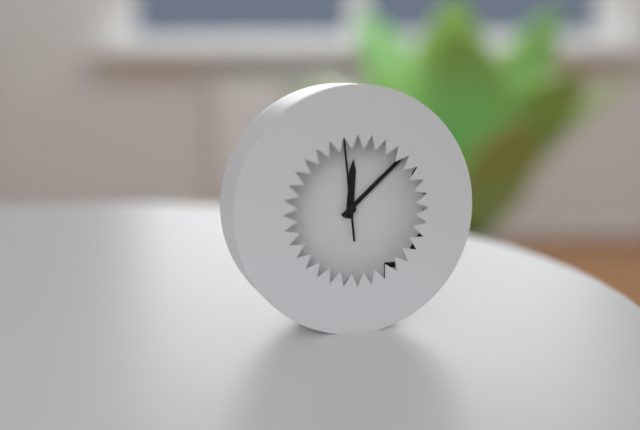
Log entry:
12 h 08 min 59 s
